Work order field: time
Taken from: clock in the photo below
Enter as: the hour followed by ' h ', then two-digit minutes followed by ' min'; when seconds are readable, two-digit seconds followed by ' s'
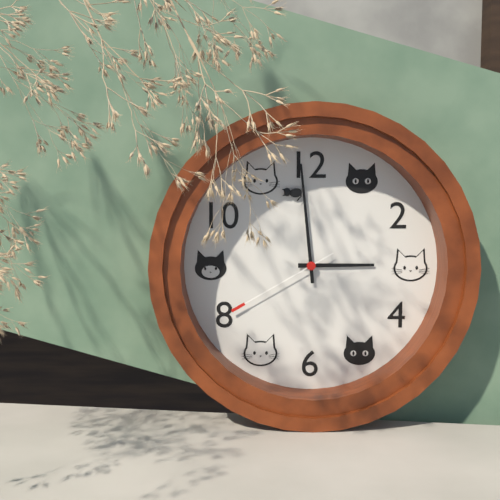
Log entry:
2 h 59 min 40 s
